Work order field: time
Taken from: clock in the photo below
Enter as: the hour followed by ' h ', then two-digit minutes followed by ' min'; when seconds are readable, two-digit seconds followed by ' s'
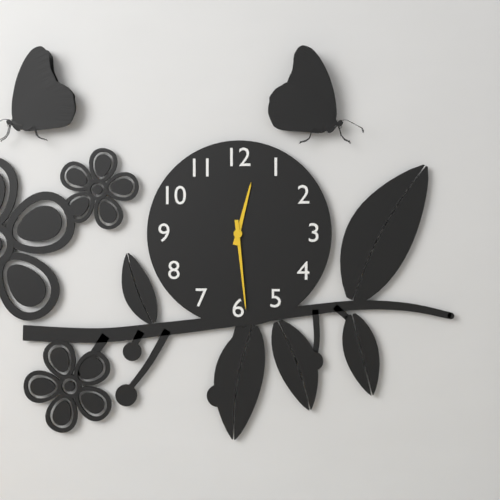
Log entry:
12 h 29 min
